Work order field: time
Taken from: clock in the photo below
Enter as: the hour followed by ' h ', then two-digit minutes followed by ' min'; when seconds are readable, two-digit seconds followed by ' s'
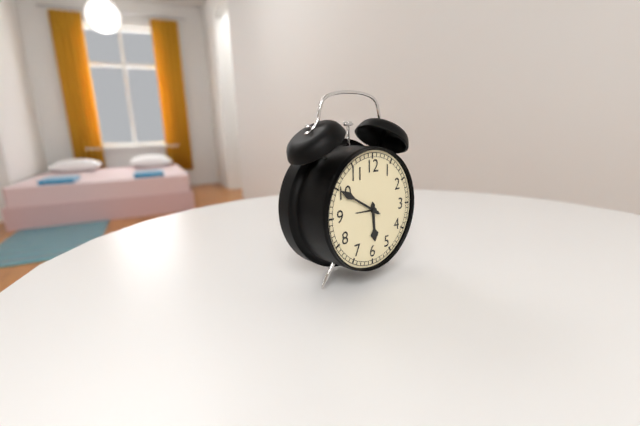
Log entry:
5 h 50 min
